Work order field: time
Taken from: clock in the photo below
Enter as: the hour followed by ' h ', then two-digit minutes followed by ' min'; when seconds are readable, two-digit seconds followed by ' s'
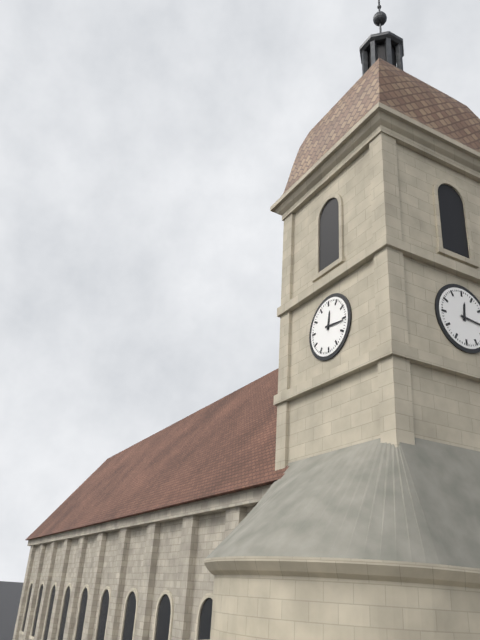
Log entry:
12 h 16 min
